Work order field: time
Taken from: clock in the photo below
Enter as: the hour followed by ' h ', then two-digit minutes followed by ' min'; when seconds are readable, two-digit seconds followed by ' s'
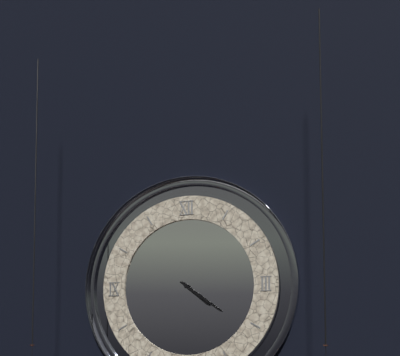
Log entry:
4 h 21 min
